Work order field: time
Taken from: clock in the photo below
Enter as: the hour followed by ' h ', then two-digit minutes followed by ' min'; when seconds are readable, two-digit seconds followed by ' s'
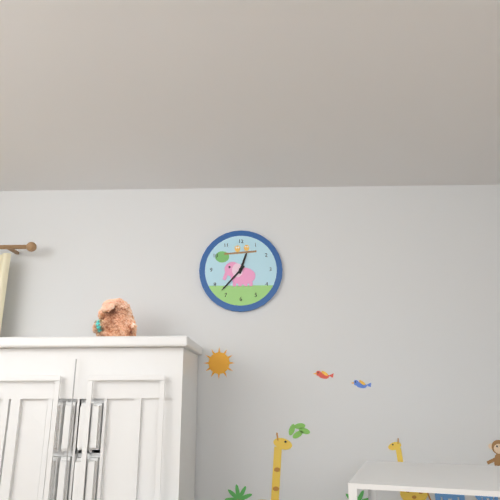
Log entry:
12 h 37 min
